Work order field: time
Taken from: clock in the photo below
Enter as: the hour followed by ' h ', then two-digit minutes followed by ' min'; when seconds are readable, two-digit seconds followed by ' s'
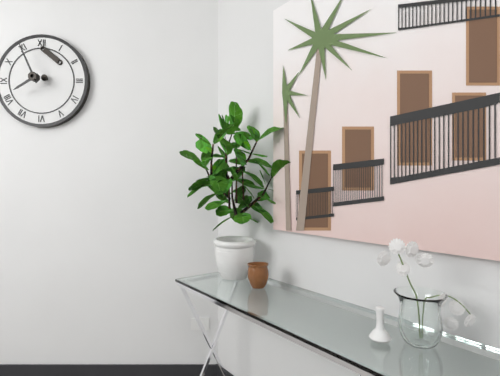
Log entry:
7 h 56 min
